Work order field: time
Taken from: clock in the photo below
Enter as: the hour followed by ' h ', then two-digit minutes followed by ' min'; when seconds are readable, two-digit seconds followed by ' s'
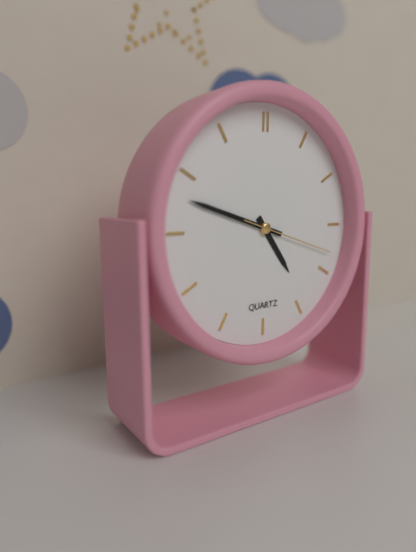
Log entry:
4 h 48 min 18 s
